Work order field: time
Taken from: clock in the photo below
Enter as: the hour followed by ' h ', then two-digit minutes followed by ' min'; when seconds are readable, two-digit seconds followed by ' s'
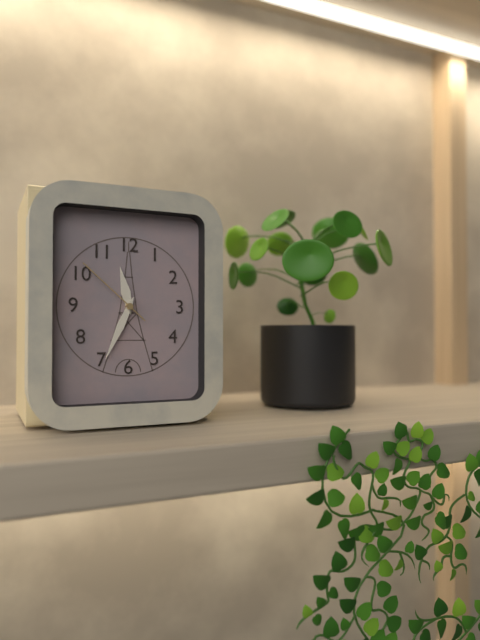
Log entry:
11 h 34 min 52 s
